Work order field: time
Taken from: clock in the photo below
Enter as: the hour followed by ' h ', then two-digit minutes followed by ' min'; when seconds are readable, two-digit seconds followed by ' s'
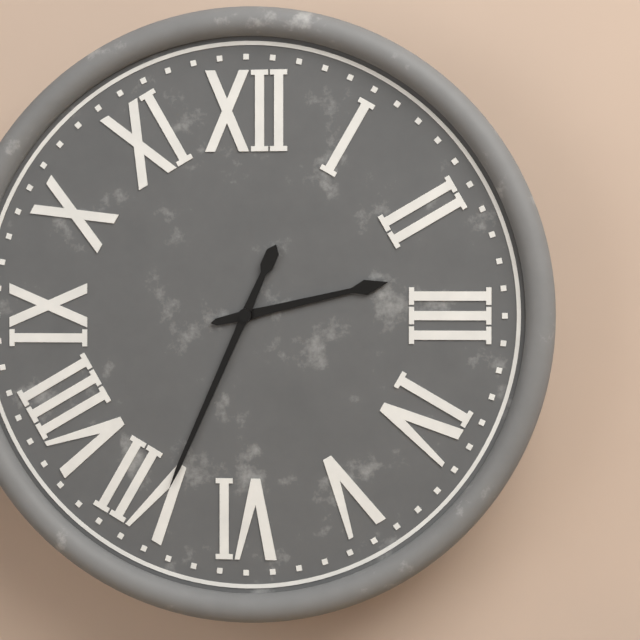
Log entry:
2 h 34 min
